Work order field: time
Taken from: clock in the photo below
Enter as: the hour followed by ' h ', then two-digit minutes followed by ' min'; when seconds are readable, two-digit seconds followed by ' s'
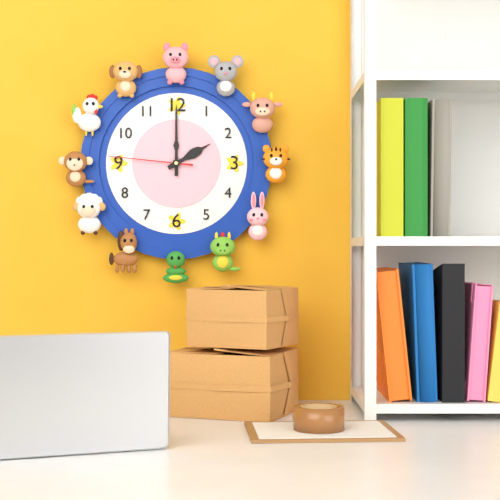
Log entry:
2 h 00 min 46 s
